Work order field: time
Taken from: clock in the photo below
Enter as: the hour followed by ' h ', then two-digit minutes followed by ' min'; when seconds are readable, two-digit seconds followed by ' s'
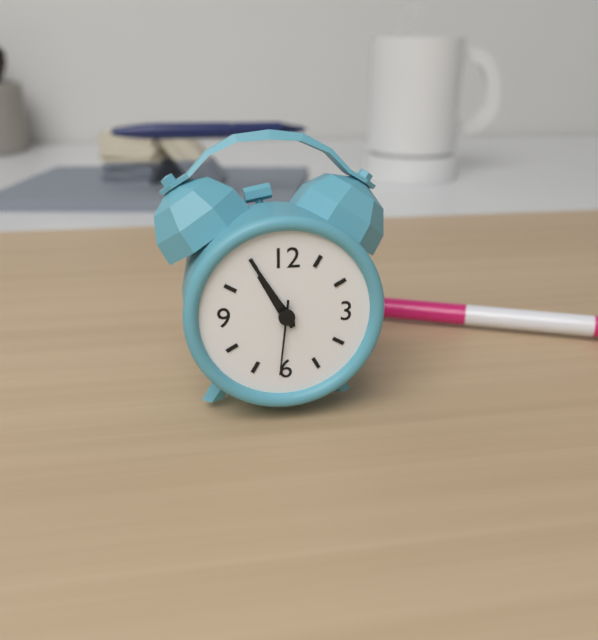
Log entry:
10 h 55 min 31 s
